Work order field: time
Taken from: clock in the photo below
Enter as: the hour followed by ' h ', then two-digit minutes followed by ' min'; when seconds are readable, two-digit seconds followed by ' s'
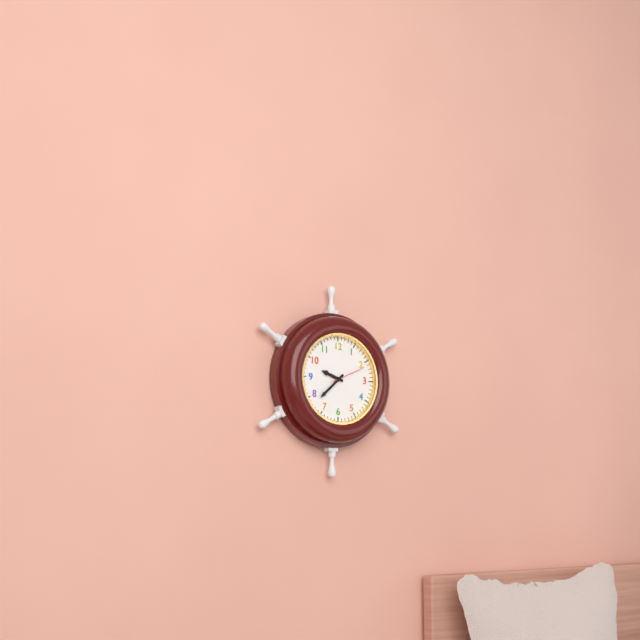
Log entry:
9 h 38 min
